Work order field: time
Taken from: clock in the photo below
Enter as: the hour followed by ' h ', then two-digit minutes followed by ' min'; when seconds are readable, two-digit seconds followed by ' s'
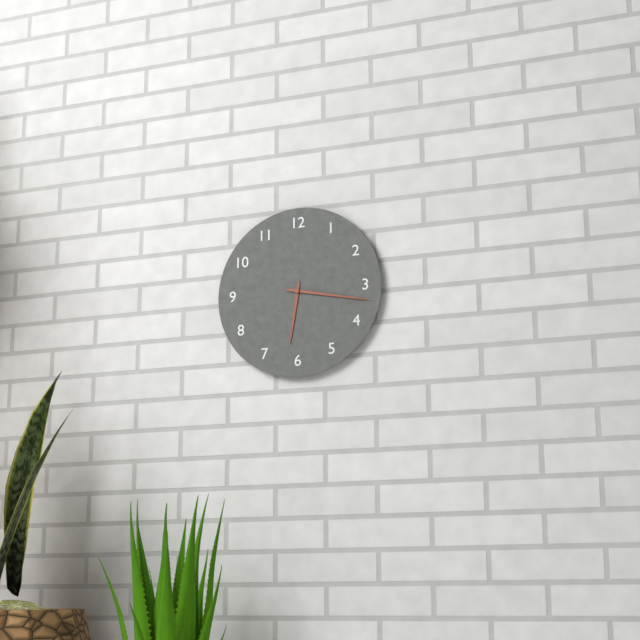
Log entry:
6 h 17 min
